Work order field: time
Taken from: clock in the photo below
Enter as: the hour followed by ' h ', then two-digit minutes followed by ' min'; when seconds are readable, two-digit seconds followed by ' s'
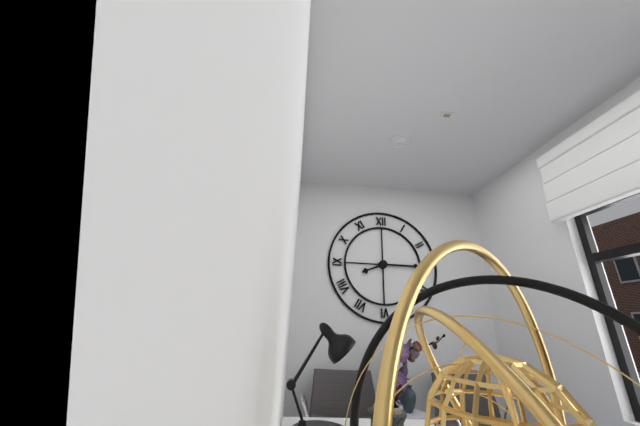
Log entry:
8 h 15 min
